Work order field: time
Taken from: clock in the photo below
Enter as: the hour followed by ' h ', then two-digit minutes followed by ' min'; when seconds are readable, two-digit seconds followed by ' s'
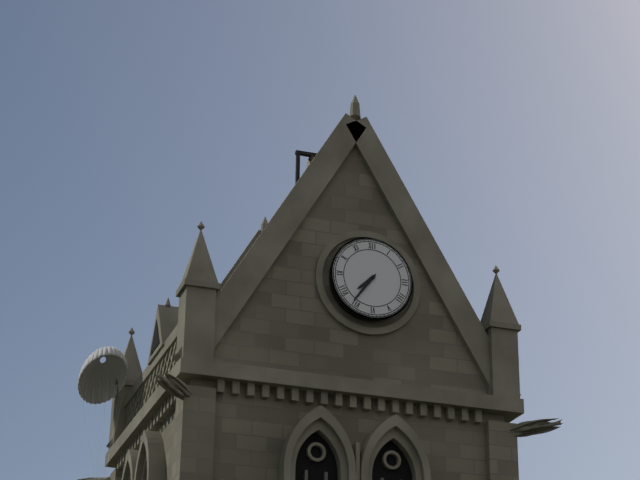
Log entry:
7 h 36 min
